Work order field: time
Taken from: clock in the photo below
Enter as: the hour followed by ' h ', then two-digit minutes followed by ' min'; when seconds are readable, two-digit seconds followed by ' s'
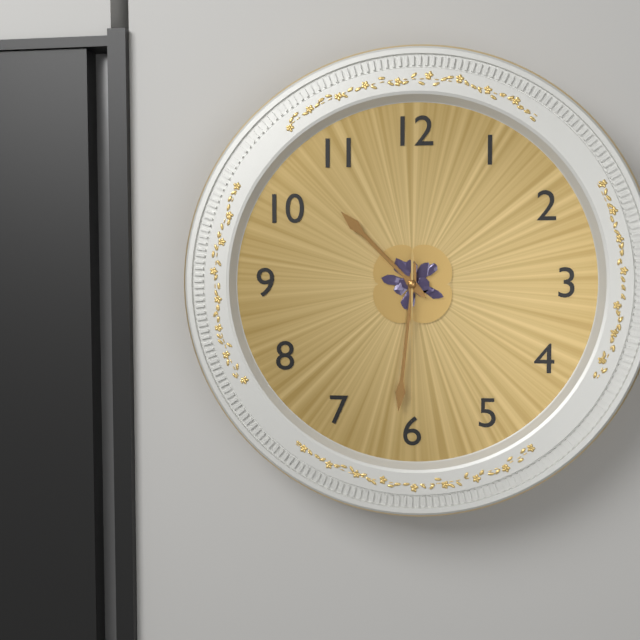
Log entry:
10 h 31 min 30 s
